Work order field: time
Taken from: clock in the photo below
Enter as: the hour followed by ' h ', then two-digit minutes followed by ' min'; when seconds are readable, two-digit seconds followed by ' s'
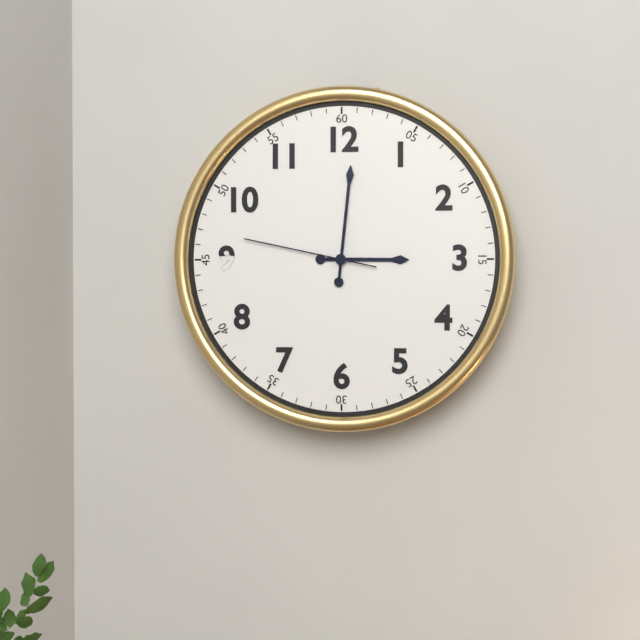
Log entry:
3 h 01 min 47 s
